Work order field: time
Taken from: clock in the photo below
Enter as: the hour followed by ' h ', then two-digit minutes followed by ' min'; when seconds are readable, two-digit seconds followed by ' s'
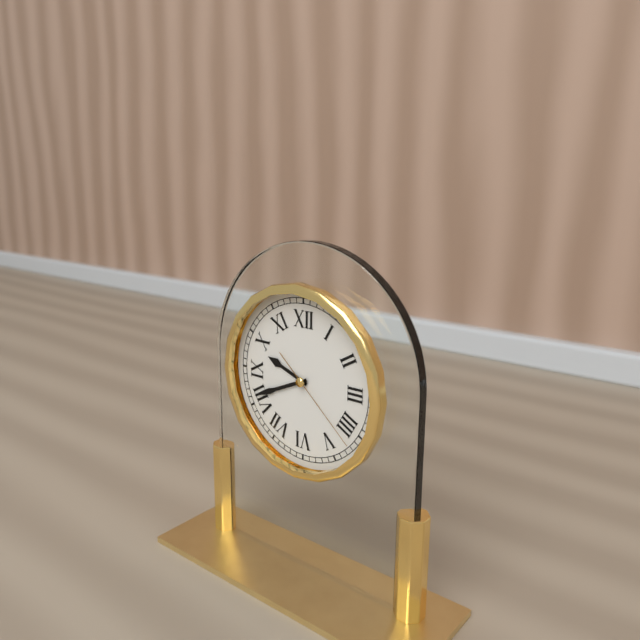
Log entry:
9 h 41 min 22 s
